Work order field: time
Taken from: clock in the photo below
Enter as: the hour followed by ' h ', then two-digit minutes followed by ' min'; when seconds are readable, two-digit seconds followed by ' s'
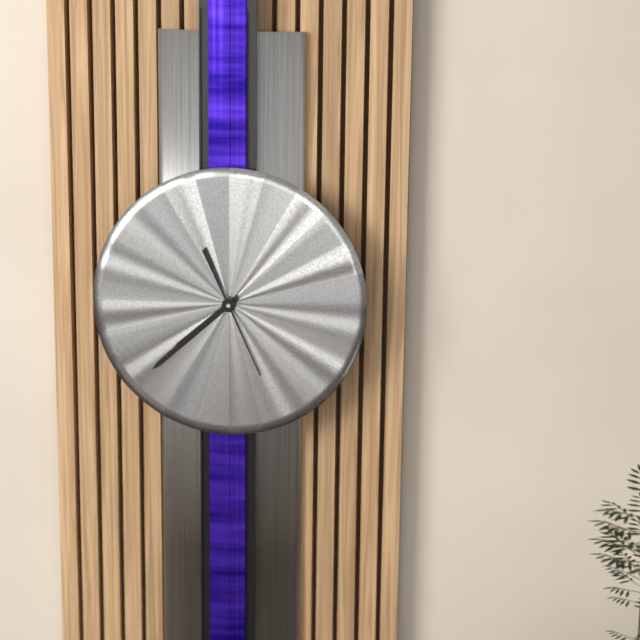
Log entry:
7 h 38 min 26 s
